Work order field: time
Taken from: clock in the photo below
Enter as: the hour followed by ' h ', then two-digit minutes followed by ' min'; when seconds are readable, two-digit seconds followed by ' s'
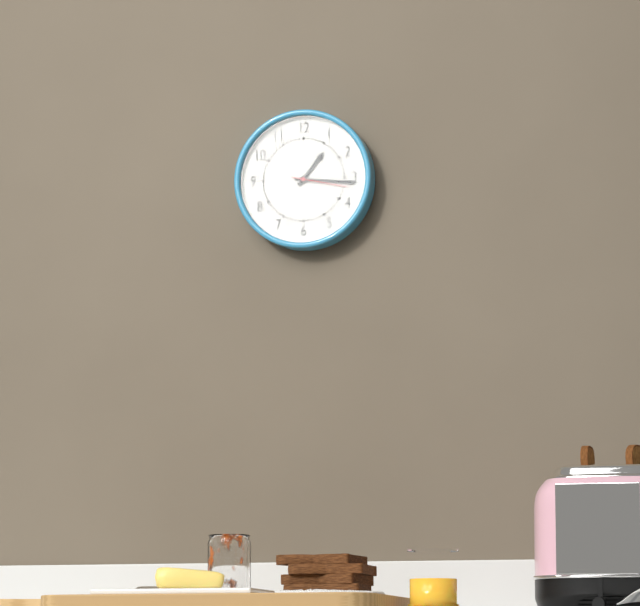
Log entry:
1 h 16 min 17 s
